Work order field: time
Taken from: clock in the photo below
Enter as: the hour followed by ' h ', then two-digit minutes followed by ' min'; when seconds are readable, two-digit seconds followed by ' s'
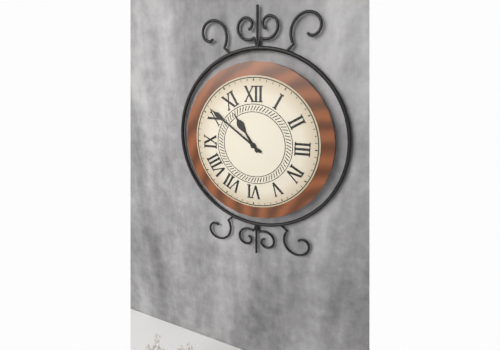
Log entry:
10 h 51 min
